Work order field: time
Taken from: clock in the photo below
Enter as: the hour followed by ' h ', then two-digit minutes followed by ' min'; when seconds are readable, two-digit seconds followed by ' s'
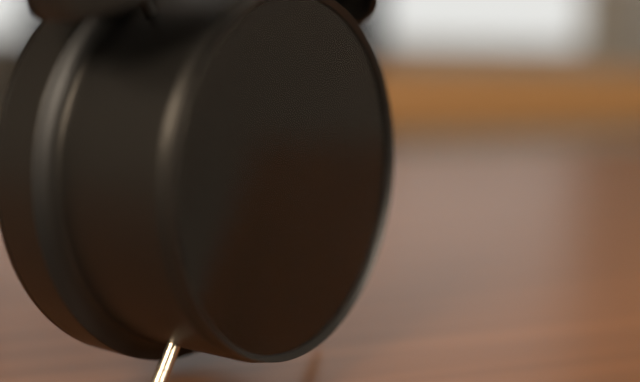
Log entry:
2 h 42 min 15 s
